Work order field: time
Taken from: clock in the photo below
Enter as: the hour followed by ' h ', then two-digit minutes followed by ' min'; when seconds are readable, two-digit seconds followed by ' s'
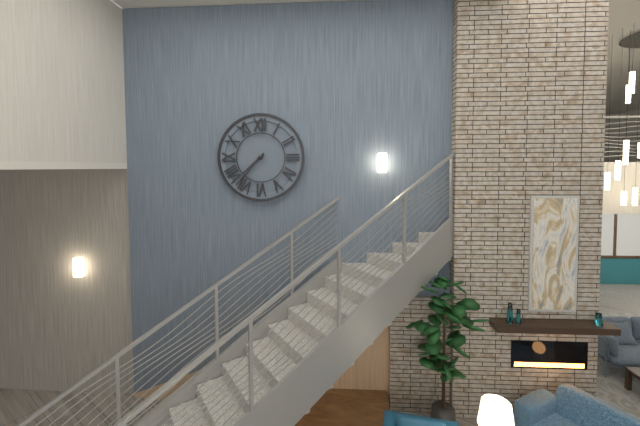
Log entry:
7 h 37 min
